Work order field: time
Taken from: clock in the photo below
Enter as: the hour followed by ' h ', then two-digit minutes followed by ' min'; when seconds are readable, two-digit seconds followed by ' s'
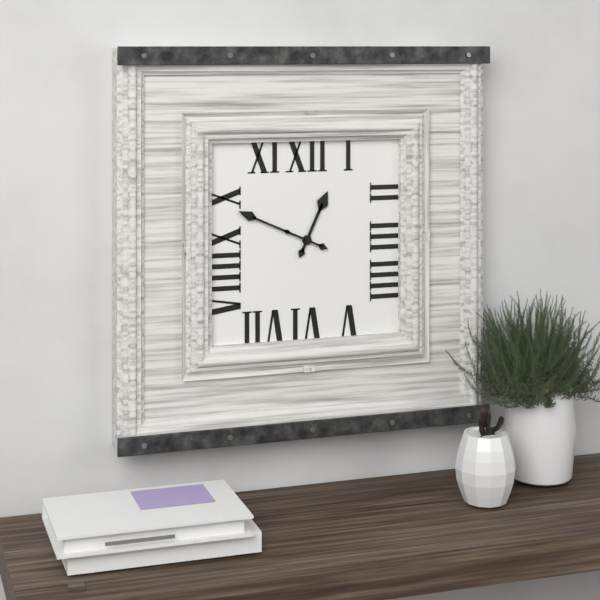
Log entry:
12 h 49 min
